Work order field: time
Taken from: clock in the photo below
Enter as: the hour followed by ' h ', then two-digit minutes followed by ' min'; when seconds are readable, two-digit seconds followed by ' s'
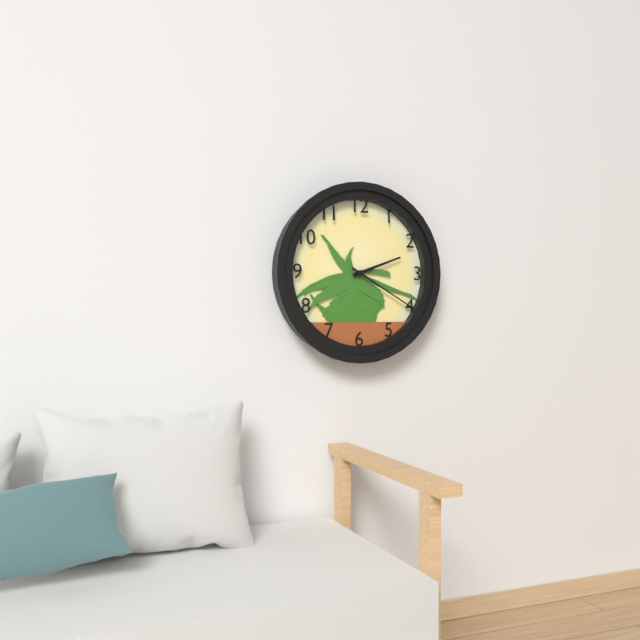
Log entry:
2 h 20 min
